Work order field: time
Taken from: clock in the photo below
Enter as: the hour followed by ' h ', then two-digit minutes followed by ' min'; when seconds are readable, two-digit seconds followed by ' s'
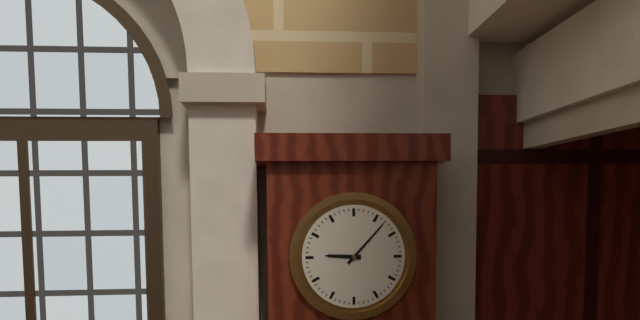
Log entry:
9 h 07 min
